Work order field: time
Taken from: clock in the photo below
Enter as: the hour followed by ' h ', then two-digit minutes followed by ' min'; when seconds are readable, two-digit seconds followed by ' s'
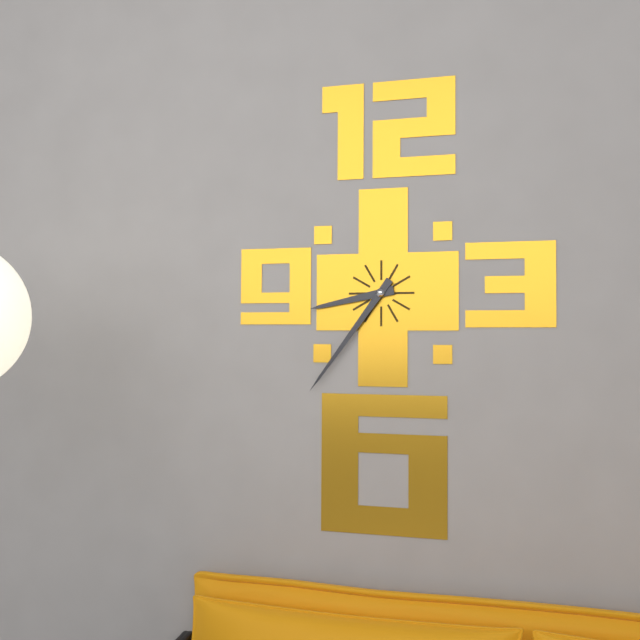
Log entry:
8 h 36 min
